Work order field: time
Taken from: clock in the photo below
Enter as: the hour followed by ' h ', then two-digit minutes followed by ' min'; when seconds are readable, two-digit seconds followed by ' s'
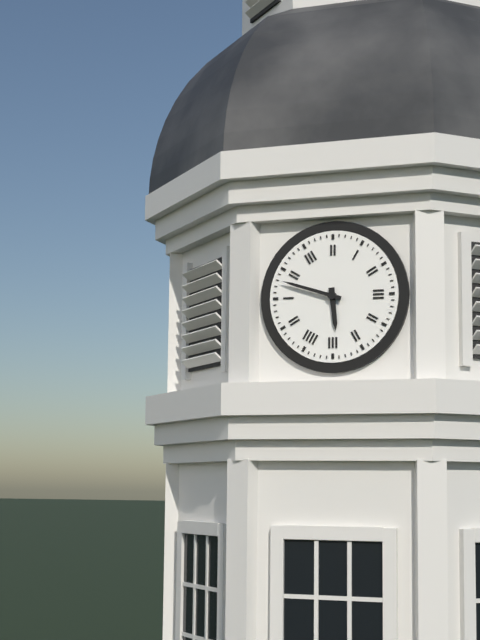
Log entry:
5 h 48 min
